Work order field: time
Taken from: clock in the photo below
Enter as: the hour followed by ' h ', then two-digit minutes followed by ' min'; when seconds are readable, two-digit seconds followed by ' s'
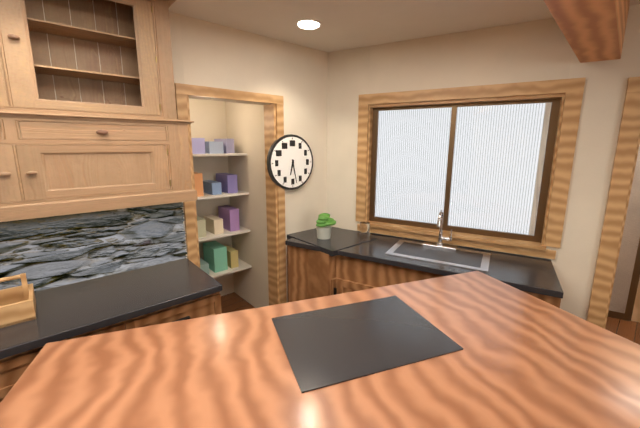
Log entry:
6 h 28 min
